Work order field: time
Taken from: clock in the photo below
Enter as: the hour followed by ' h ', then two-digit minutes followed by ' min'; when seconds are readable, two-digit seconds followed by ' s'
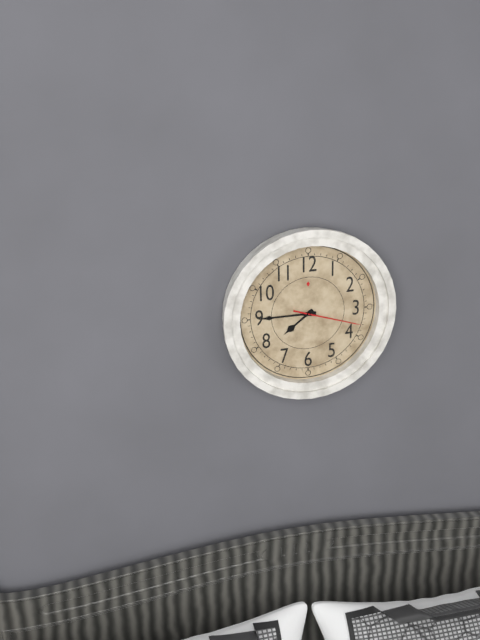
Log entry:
7 h 45 min 18 s
